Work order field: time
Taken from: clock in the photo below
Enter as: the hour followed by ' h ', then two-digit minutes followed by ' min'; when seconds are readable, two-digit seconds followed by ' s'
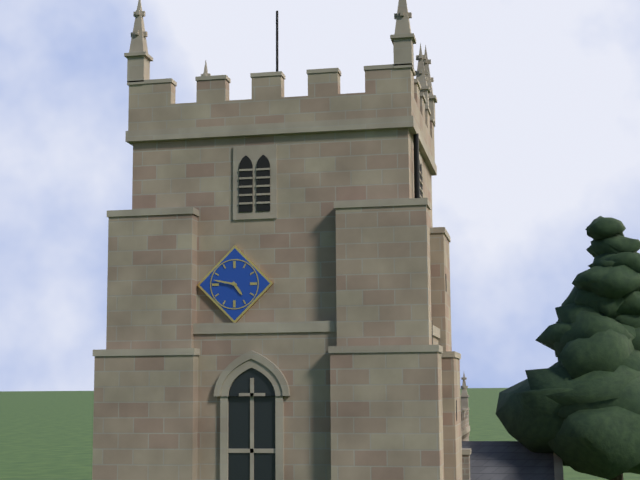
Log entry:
4 h 47 min
